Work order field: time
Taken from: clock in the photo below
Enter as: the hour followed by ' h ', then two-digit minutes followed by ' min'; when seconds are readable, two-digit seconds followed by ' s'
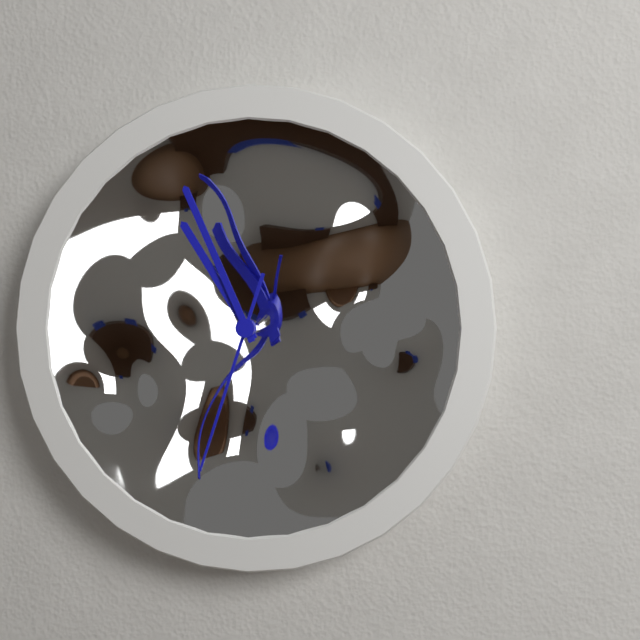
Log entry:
10 h 56 min 33 s
